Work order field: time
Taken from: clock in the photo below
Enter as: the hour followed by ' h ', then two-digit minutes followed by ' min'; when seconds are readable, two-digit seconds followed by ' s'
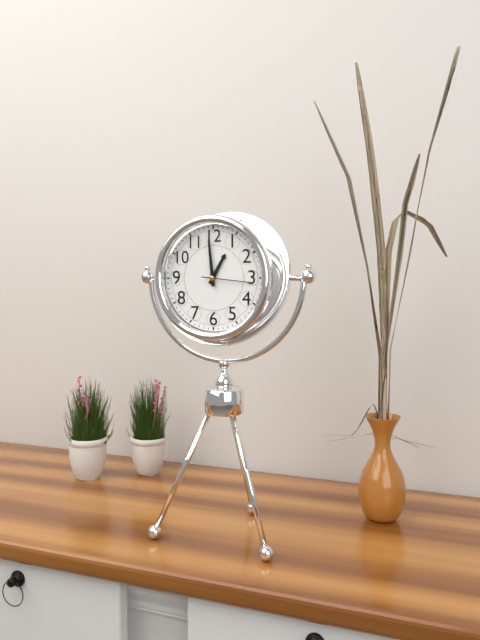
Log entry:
12 h 59 min 16 s
